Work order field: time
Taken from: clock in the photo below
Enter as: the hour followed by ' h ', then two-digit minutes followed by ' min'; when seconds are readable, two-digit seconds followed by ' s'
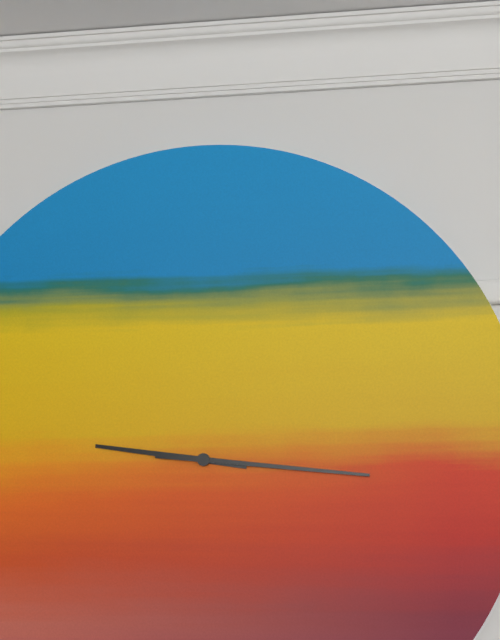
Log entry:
9 h 16 min
